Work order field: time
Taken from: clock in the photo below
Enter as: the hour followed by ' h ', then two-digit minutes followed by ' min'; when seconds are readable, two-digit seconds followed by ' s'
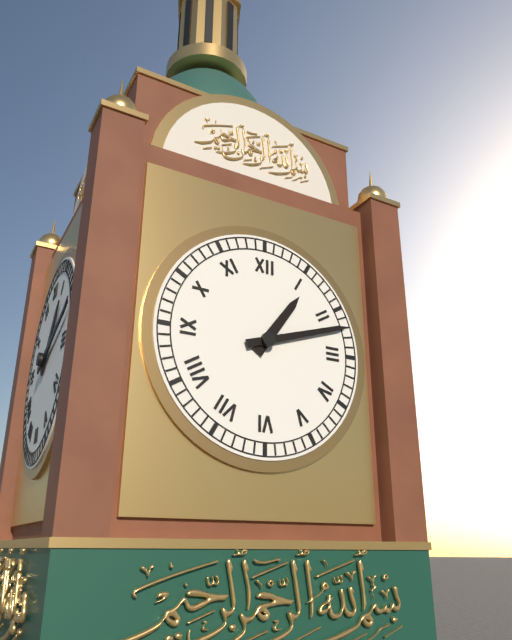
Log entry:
1 h 12 min
